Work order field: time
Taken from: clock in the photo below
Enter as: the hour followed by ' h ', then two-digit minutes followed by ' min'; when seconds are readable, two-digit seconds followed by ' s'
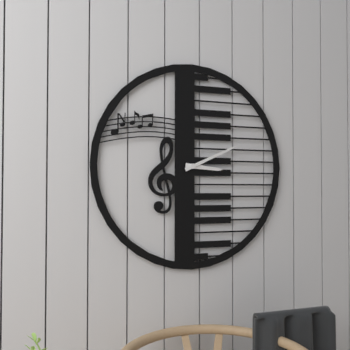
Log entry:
3 h 11 min
